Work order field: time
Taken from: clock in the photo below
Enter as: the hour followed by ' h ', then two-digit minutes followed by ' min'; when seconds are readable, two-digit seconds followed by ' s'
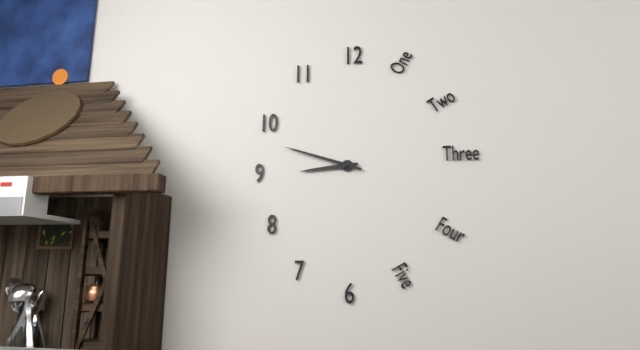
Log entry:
8 h 48 min
